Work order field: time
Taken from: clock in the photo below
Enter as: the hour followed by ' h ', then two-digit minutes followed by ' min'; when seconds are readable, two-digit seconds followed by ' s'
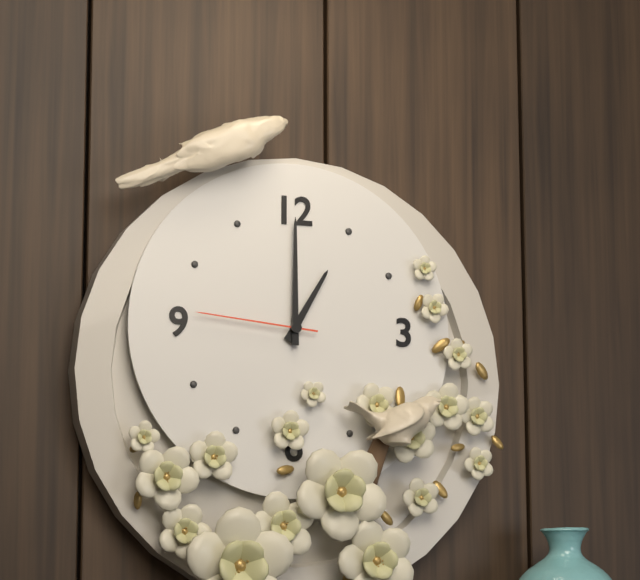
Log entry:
1 h 00 min 46 s
